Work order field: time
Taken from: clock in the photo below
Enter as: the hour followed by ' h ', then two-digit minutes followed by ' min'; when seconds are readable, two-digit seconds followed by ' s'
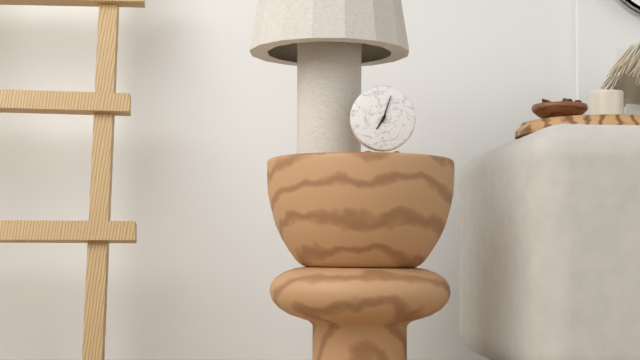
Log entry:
7 h 03 min
